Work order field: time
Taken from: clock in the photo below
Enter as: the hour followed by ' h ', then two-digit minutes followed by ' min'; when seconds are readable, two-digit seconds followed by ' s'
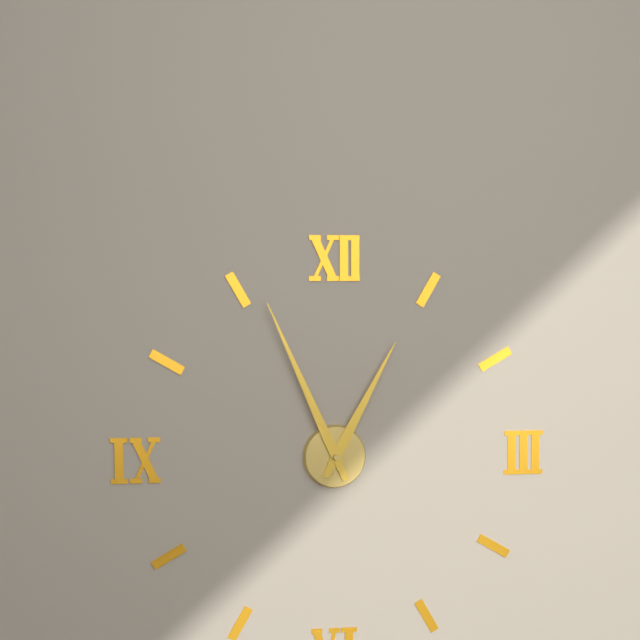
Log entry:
12 h 56 min
